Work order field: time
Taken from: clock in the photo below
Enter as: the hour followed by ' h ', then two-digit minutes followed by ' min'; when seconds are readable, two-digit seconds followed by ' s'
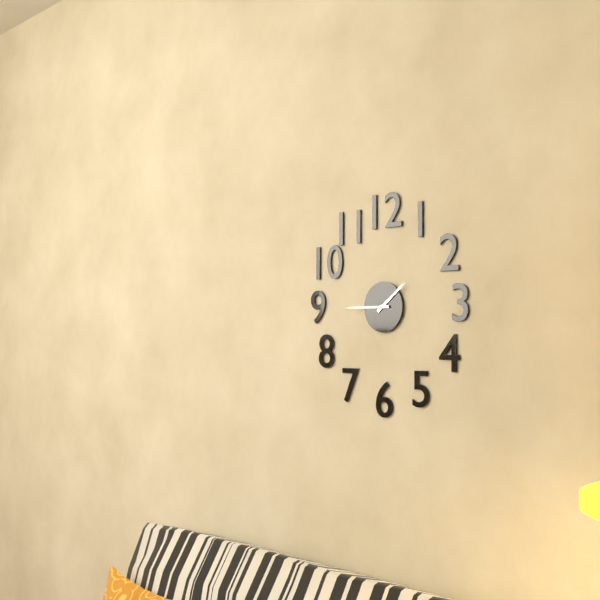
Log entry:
1 h 45 min
